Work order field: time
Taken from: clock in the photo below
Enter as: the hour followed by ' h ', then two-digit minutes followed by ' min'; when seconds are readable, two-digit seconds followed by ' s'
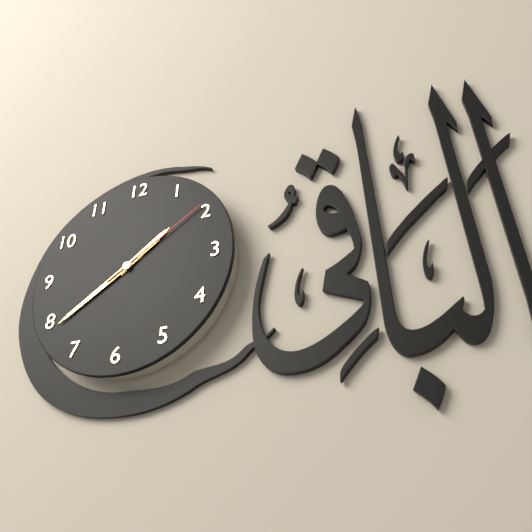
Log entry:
1 h 39 min 09 s
